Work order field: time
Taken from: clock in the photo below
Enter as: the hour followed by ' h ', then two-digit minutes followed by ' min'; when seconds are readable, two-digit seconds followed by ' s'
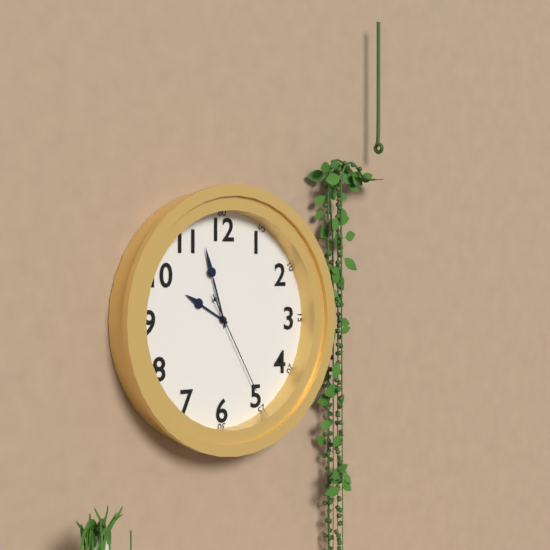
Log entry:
9 h 57 min 25 s
